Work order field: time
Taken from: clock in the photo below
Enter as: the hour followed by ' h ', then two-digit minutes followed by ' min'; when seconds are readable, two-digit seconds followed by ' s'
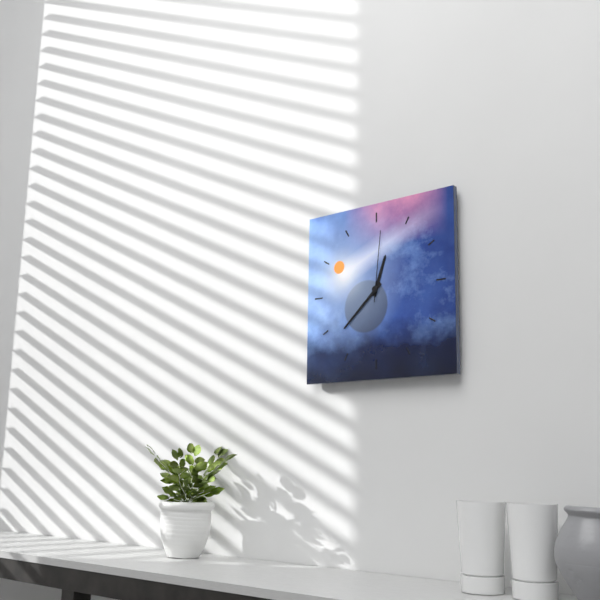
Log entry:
12 h 38 min 01 s
